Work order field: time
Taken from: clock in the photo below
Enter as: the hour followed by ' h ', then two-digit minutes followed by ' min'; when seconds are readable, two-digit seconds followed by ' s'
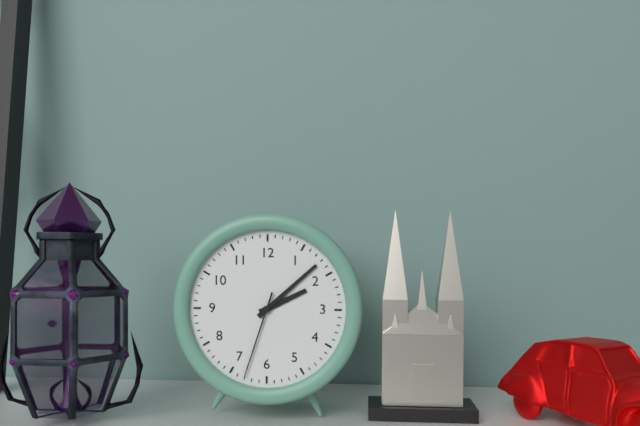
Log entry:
2 h 08 min 33 s
